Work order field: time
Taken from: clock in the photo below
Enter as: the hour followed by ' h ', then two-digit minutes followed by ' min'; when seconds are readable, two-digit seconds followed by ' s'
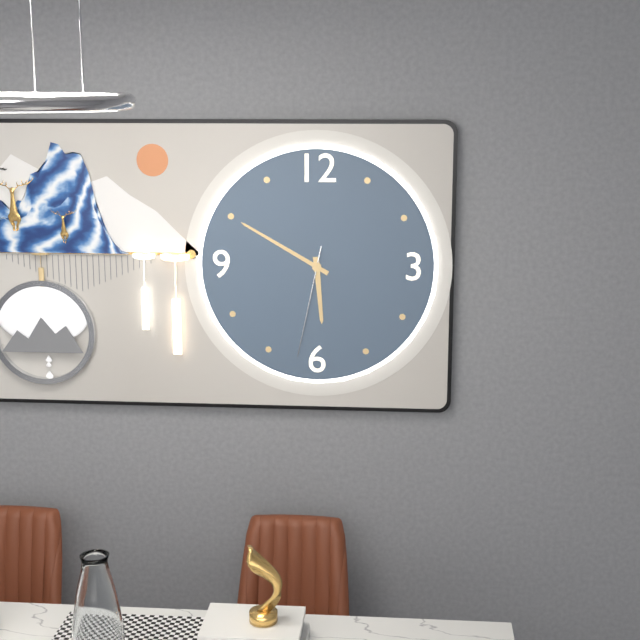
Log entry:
5 h 50 min 32 s
